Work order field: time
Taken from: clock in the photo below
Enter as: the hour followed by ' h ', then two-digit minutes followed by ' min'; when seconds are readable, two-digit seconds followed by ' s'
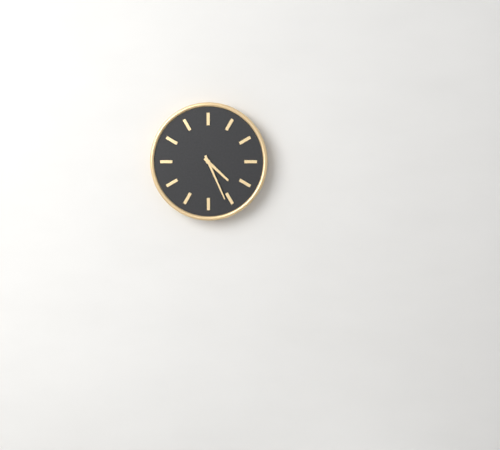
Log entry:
4 h 26 min
